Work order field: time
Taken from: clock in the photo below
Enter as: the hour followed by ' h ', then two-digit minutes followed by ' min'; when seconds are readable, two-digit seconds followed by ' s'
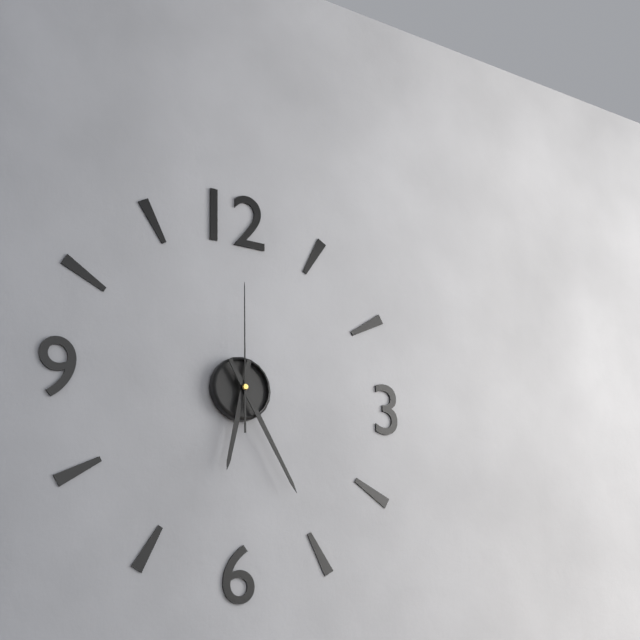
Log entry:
6 h 25 min 00 s
